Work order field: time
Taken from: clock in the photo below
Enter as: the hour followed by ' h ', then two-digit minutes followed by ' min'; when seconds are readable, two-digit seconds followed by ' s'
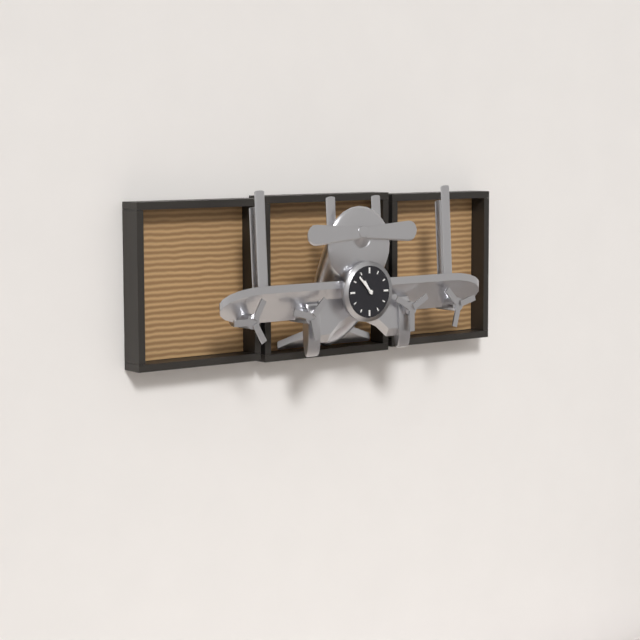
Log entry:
10 h 53 min
